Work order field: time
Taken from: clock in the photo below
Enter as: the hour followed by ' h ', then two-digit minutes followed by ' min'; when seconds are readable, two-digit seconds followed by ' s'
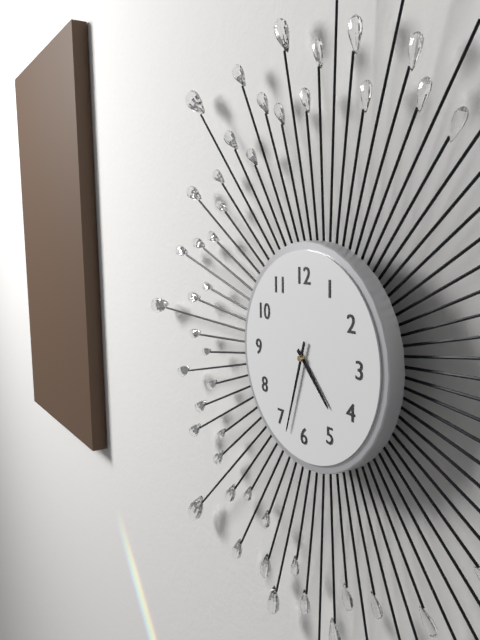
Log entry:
4 h 33 min
